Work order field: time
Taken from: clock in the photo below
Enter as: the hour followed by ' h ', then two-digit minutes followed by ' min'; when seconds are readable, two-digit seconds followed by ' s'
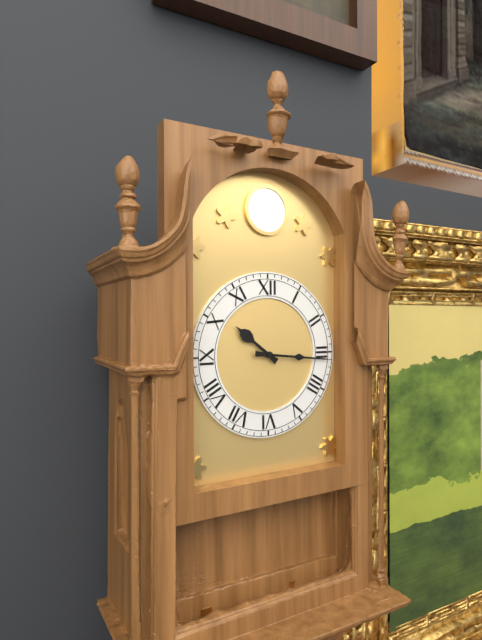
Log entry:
10 h 16 min
